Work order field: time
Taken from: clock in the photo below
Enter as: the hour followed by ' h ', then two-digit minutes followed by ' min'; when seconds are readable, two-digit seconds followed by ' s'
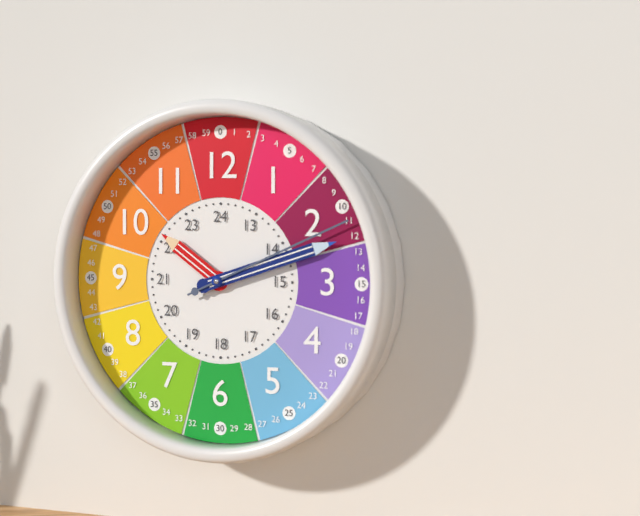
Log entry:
10 h 12 min 11 s
